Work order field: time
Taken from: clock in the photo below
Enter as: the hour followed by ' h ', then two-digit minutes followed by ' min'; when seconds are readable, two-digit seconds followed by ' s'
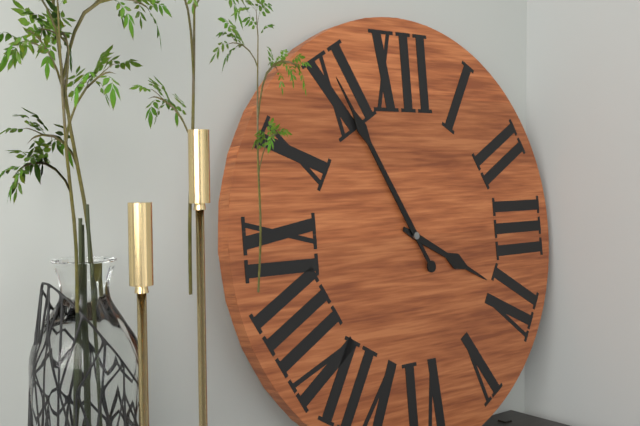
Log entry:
3 h 55 min
